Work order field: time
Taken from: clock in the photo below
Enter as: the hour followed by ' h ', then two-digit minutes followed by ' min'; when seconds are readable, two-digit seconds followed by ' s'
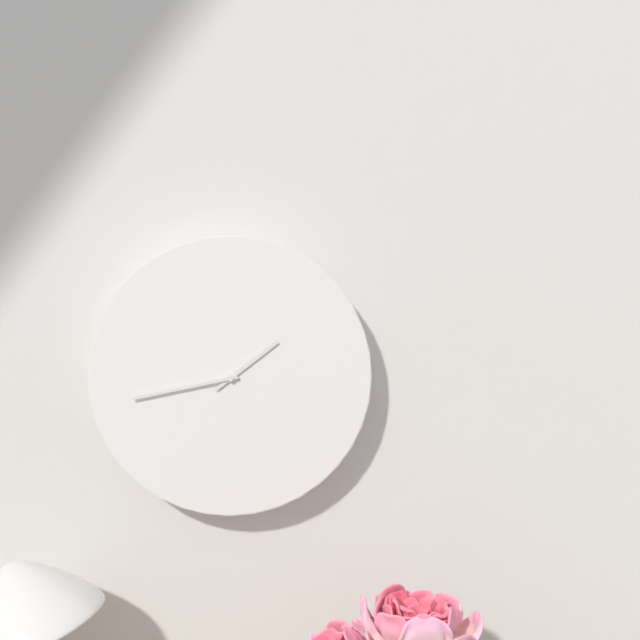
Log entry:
1 h 43 min
